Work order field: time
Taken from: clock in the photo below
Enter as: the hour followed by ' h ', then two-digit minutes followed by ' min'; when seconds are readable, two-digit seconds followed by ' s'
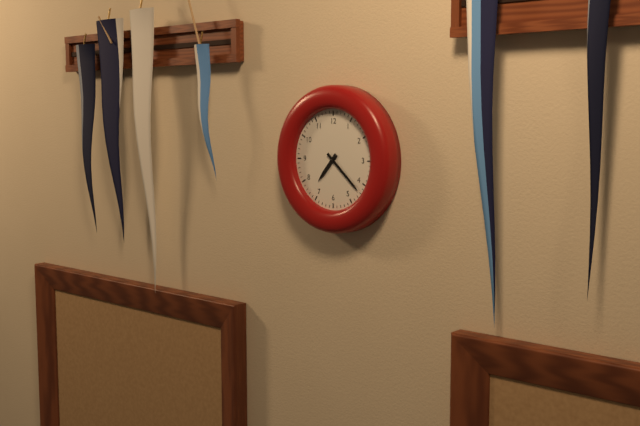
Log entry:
7 h 22 min
